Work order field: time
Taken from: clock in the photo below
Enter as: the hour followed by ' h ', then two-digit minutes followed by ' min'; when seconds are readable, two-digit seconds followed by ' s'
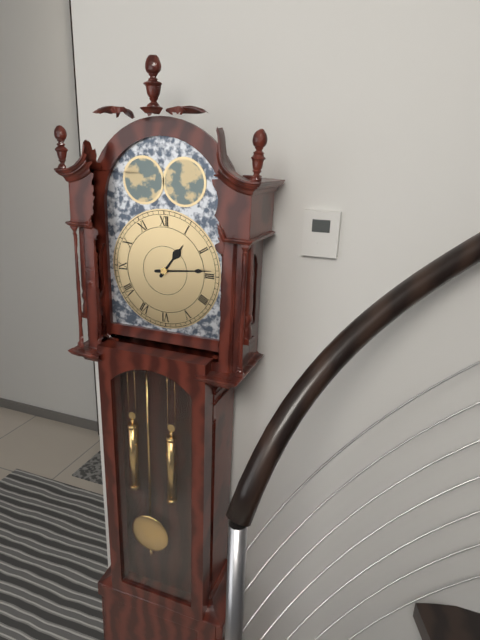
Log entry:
1 h 14 min
